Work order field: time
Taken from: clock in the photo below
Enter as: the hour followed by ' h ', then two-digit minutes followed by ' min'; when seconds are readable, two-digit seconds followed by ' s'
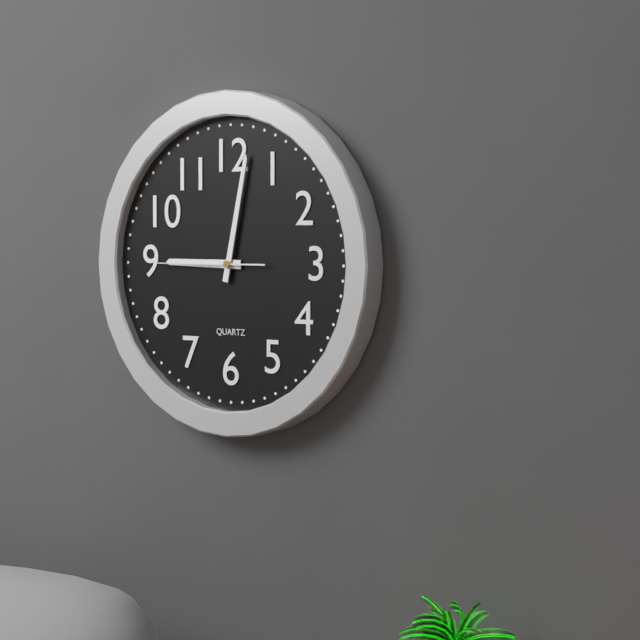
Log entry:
9 h 02 min 45 s
